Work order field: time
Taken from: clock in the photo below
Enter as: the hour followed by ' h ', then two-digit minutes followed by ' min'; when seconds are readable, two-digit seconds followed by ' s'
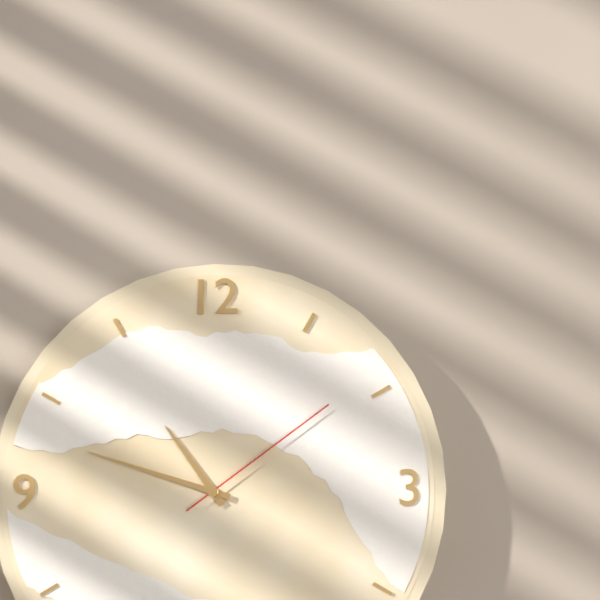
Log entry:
10 h 48 min 09 s
